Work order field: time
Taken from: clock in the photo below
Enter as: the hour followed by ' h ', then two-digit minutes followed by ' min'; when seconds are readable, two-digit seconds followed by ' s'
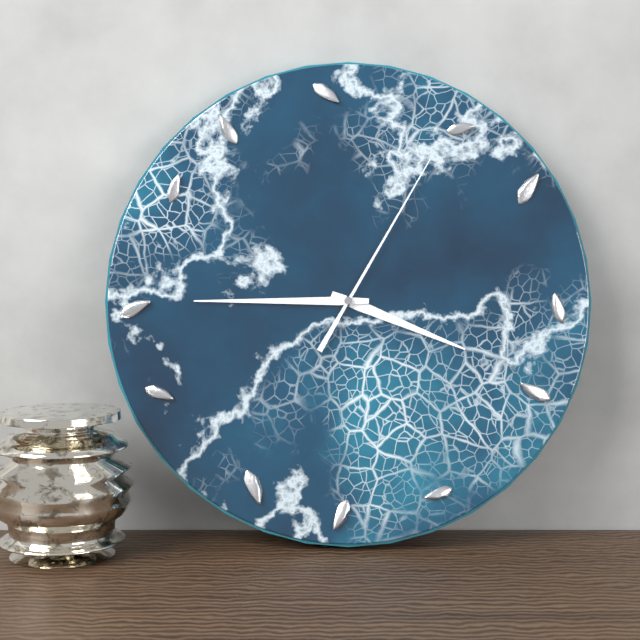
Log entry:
3 h 45 min 05 s
